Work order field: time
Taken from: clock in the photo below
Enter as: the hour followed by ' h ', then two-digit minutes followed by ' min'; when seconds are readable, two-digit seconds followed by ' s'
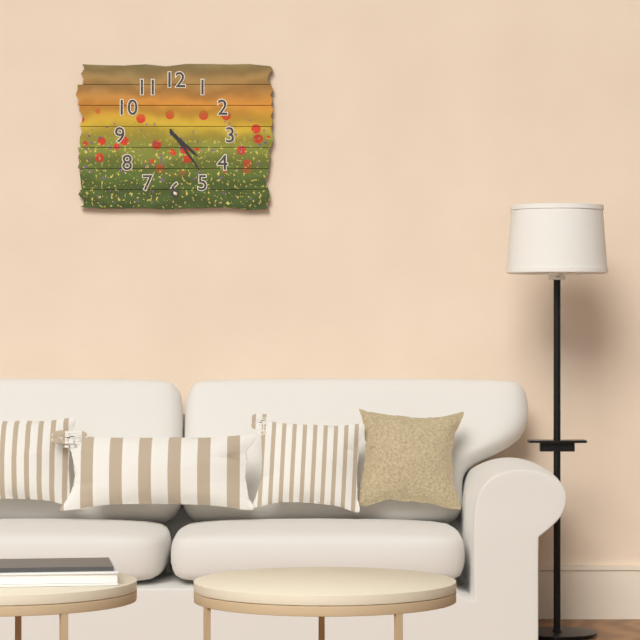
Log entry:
4 h 24 min
